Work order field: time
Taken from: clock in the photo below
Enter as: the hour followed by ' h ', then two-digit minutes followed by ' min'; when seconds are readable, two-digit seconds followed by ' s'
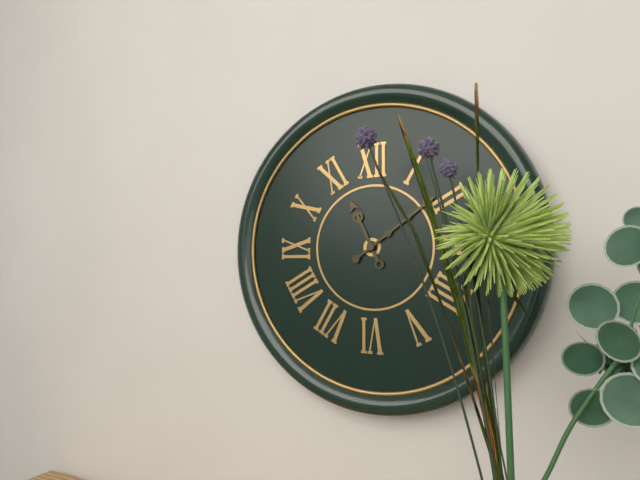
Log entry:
11 h 09 min
